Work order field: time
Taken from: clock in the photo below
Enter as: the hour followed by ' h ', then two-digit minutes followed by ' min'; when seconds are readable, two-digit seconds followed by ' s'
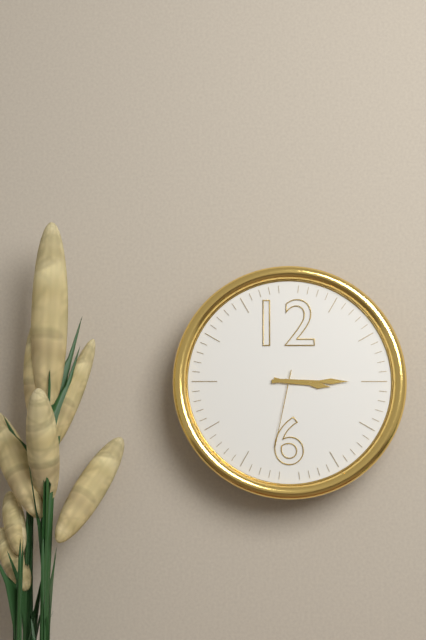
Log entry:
3 h 15 min 32 s
